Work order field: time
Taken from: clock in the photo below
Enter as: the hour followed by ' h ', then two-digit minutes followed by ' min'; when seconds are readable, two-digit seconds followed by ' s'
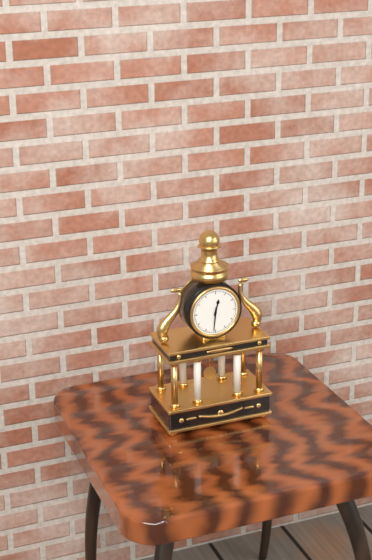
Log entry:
12 h 31 min
